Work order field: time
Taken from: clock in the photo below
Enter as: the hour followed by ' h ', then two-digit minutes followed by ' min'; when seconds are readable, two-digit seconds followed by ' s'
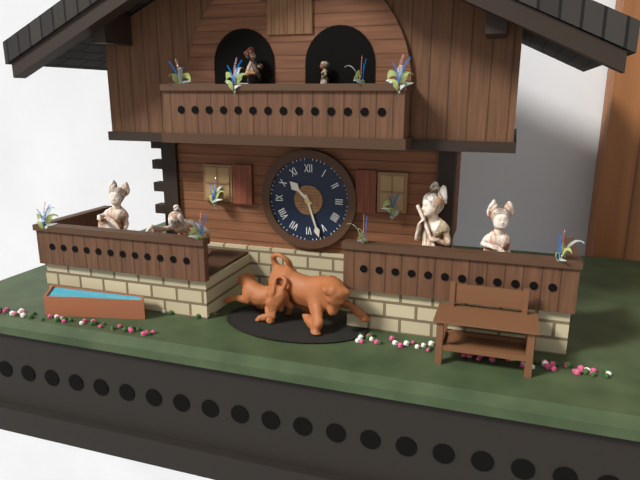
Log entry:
10 h 27 min
